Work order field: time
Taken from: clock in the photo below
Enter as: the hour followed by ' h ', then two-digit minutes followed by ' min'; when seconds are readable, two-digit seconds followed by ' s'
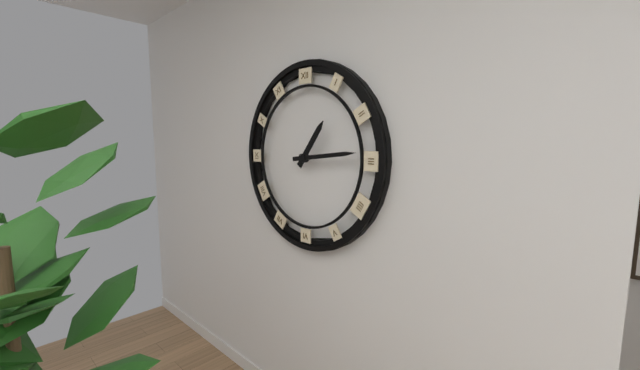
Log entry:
1 h 14 min
